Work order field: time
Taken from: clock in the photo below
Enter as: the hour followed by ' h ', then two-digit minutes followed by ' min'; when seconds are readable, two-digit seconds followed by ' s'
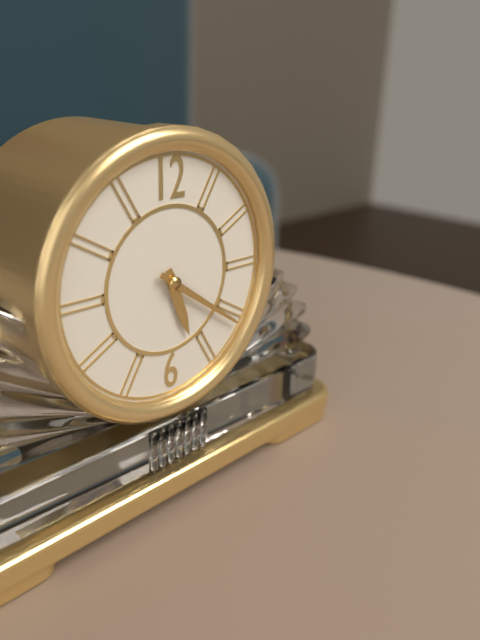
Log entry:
5 h 21 min
